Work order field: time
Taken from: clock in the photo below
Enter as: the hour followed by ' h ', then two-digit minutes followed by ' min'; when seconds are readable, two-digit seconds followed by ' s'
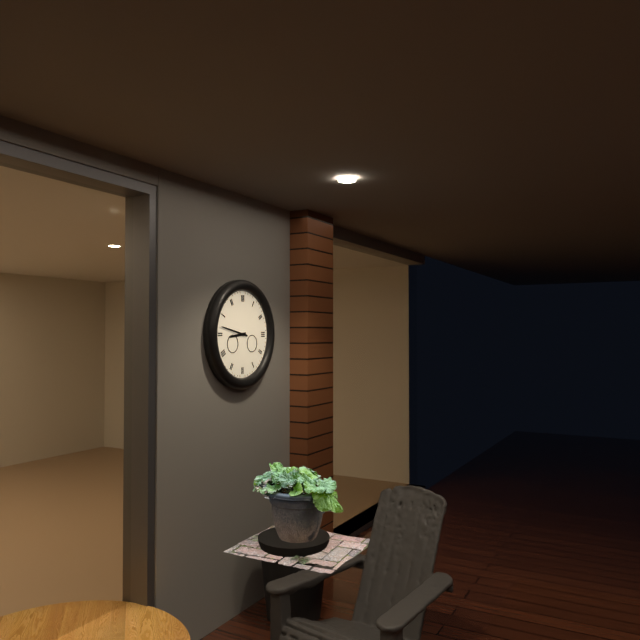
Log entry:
8 h 47 min
